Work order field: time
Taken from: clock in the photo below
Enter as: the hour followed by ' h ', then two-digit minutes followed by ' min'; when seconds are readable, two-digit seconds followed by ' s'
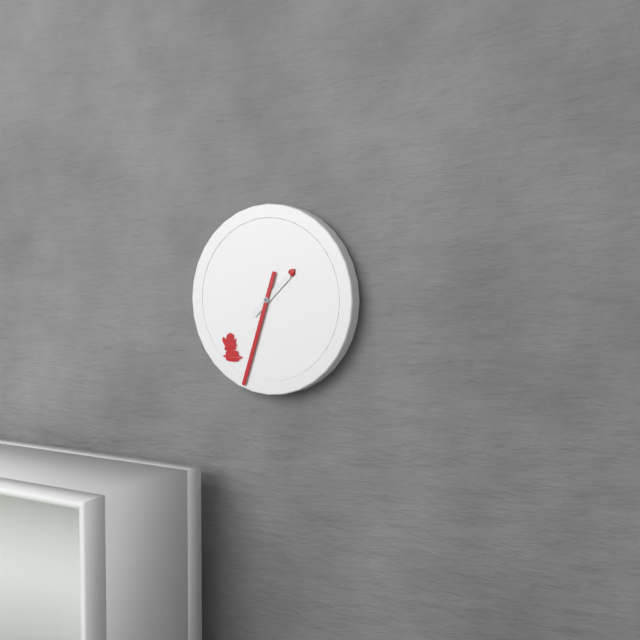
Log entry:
1 h 33 min
